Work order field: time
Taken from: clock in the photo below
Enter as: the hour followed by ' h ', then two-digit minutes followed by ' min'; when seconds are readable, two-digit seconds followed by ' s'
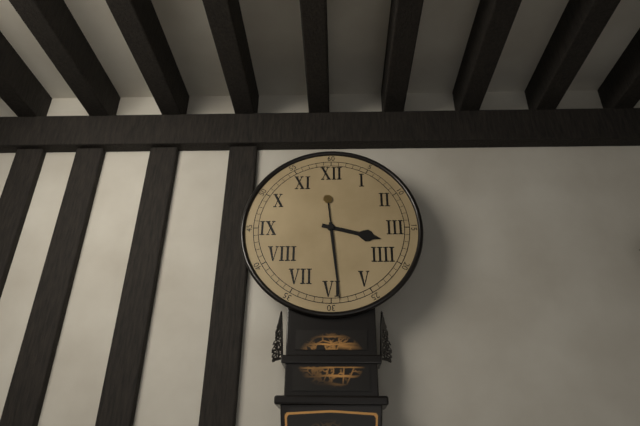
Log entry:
3 h 29 min
